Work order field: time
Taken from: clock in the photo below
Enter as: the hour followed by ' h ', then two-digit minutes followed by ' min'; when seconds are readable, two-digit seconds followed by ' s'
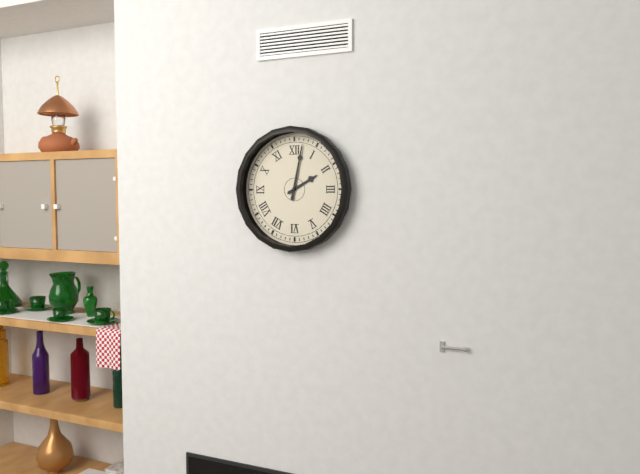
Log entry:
2 h 02 min
